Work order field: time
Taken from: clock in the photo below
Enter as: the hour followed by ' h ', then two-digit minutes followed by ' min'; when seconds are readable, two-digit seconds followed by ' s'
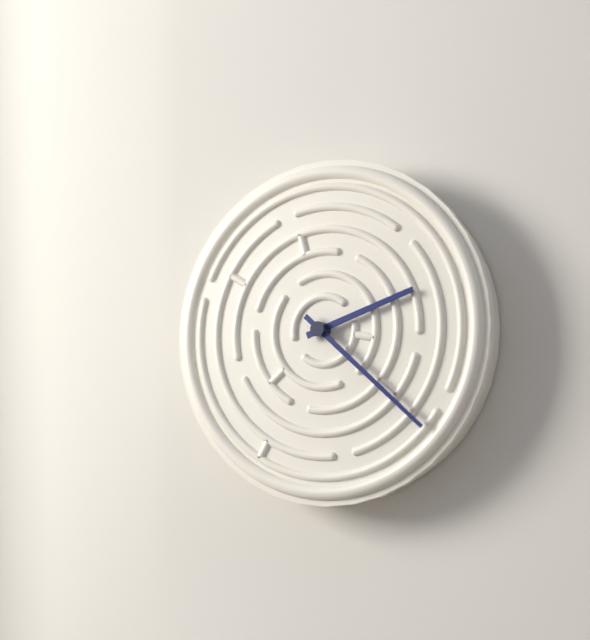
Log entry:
2 h 22 min
